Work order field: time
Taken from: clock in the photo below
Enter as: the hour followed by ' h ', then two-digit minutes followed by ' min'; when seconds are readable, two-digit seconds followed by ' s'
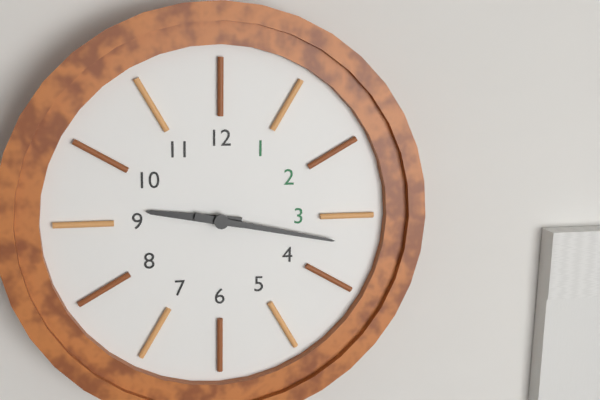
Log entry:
9 h 17 min
